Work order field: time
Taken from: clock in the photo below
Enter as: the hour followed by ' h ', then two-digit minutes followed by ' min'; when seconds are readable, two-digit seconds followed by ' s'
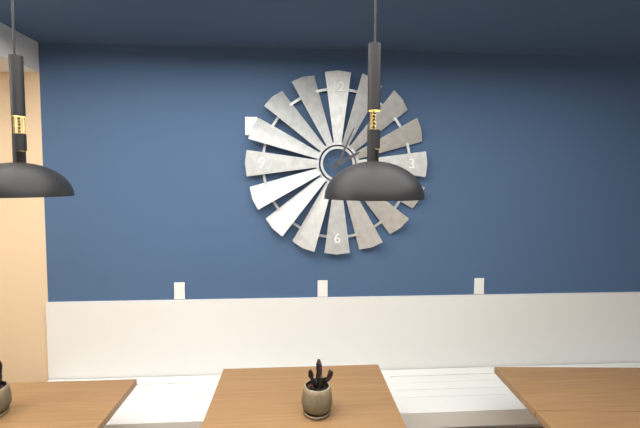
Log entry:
2 h 04 min
